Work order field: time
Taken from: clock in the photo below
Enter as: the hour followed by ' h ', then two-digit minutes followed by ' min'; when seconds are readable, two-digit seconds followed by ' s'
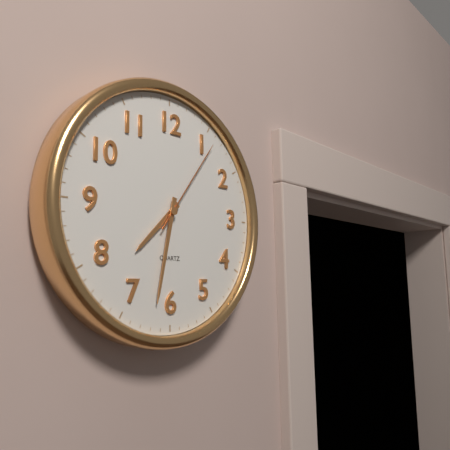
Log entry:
7 h 32 min 06 s
